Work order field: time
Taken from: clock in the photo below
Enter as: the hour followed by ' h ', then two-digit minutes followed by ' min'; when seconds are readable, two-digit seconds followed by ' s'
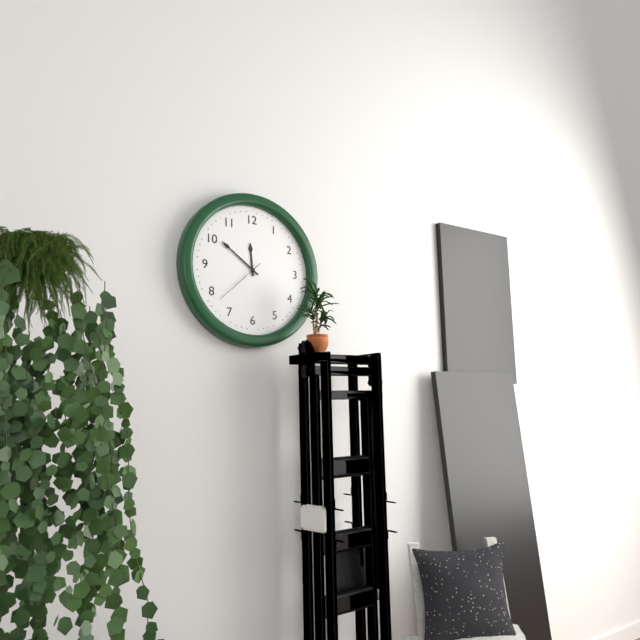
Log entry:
11 h 51 min
